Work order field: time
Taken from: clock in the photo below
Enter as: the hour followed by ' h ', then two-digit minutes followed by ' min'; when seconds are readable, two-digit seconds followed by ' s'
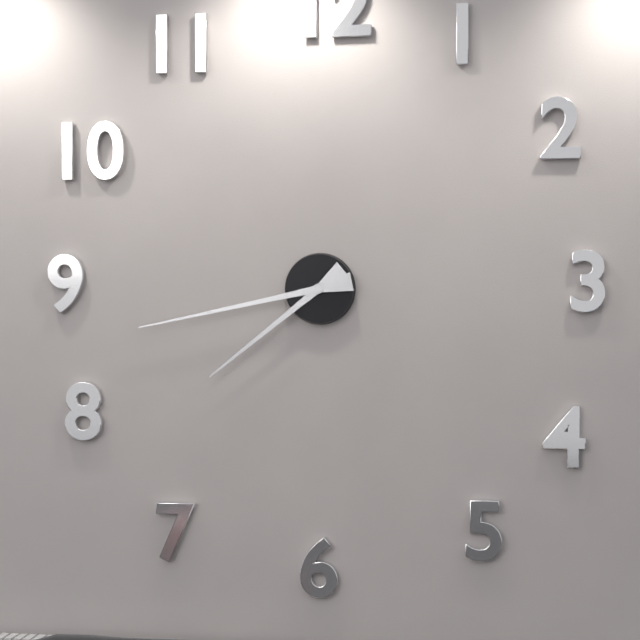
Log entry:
7 h 43 min
